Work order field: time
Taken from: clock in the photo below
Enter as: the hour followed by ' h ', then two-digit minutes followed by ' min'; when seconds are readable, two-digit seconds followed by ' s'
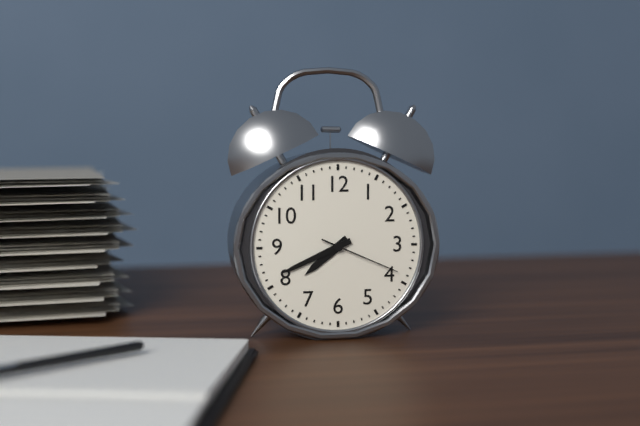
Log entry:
7 h 41 min 19 s
